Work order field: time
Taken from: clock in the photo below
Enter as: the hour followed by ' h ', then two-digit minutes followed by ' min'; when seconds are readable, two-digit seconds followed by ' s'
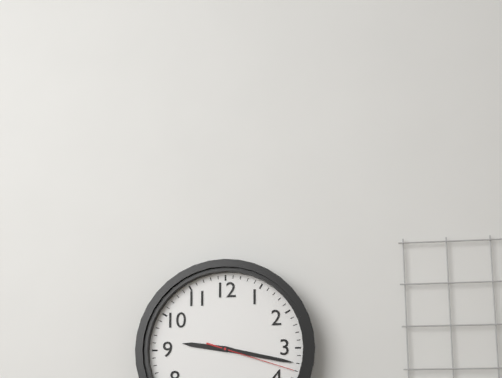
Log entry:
9 h 17 min 18 s
